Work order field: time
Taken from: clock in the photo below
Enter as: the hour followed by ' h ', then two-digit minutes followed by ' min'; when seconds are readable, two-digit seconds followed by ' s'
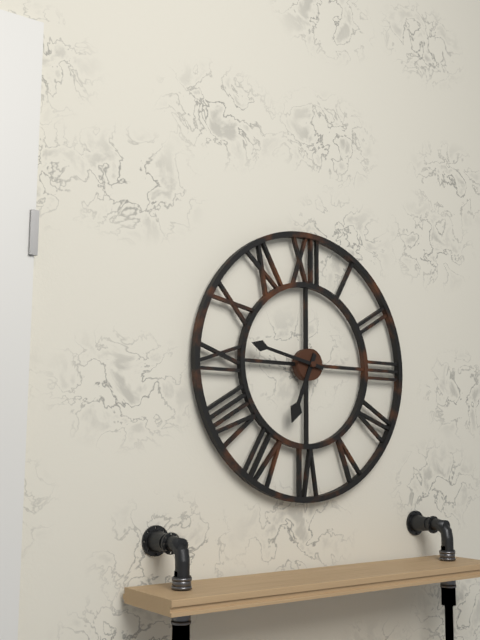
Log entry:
6 h 47 min
